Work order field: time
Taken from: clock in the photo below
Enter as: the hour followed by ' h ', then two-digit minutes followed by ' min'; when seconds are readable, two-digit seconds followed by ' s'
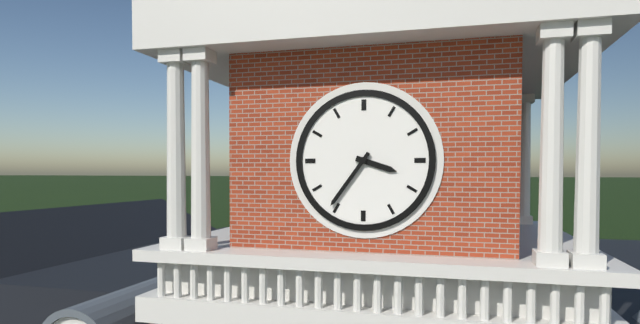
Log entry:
3 h 36 min
